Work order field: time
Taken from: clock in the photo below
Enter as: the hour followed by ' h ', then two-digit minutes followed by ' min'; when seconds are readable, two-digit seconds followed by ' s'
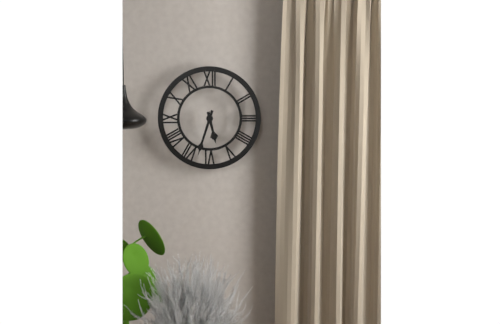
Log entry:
5 h 33 min
